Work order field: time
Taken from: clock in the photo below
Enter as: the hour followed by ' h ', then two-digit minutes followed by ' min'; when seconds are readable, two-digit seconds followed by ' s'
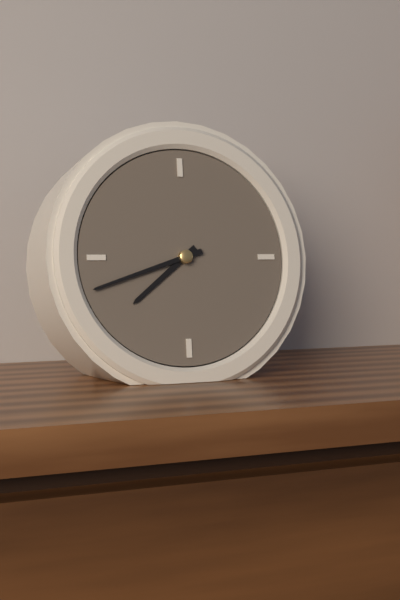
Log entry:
7 h 42 min
